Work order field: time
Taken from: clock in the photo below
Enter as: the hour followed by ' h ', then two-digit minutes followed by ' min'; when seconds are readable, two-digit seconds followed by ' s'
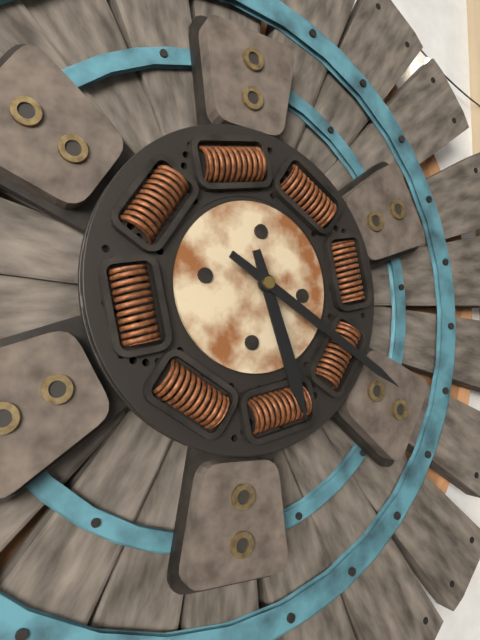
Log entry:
5 h 20 min
